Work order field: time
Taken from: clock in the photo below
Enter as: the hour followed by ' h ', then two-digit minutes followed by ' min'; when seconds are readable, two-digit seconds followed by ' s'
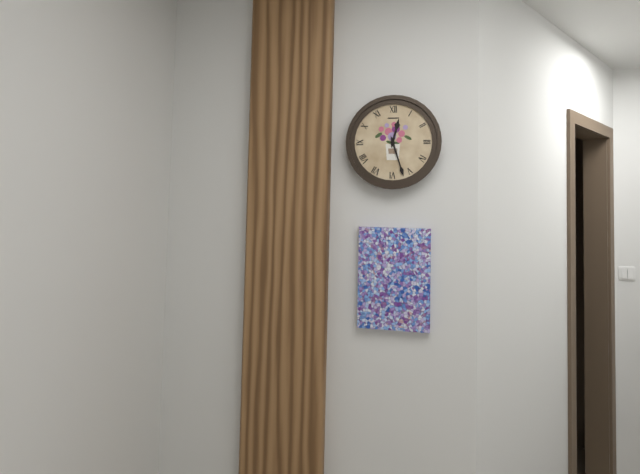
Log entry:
12 h 27 min
